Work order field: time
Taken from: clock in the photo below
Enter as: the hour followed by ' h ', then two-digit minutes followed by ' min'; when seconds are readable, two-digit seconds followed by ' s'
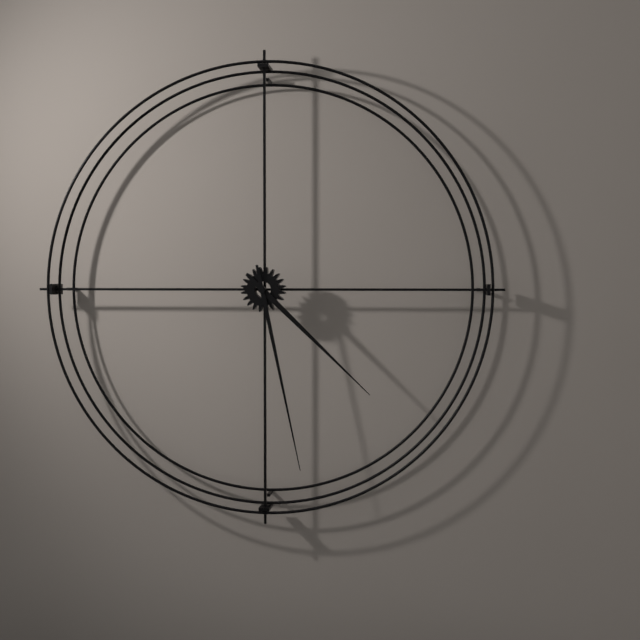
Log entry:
4 h 28 min
